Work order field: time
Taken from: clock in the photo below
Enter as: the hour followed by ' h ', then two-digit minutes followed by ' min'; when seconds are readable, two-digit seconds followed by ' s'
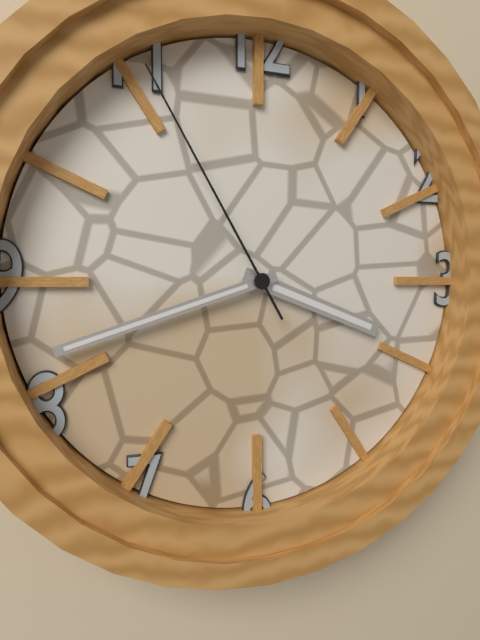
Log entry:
3 h 42 min 55 s
